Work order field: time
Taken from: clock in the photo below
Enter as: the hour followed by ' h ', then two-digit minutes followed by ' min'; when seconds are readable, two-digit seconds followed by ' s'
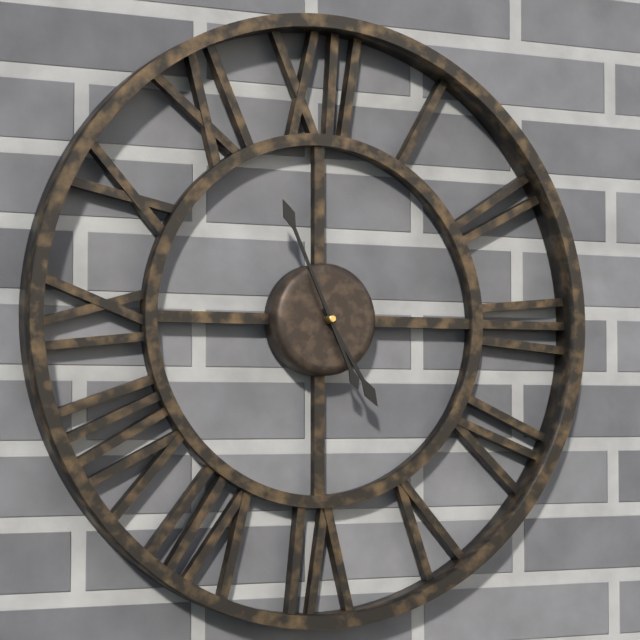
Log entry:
4 h 56 min
